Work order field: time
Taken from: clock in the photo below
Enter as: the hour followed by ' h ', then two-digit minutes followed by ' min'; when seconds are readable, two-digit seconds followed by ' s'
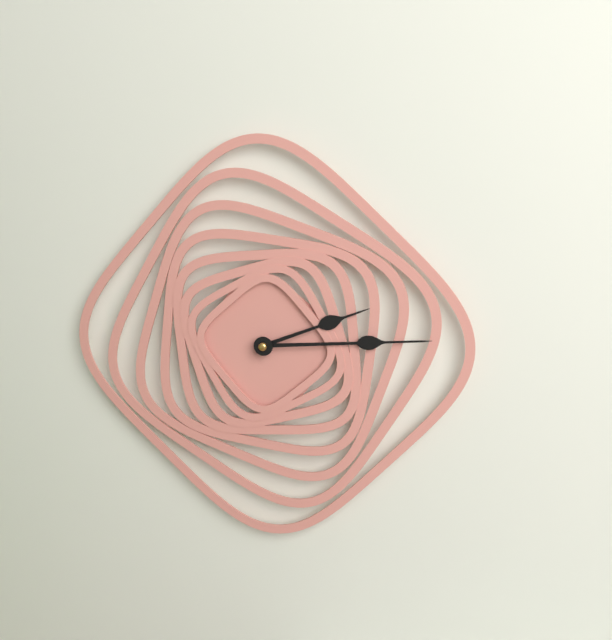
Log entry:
2 h 14 min
